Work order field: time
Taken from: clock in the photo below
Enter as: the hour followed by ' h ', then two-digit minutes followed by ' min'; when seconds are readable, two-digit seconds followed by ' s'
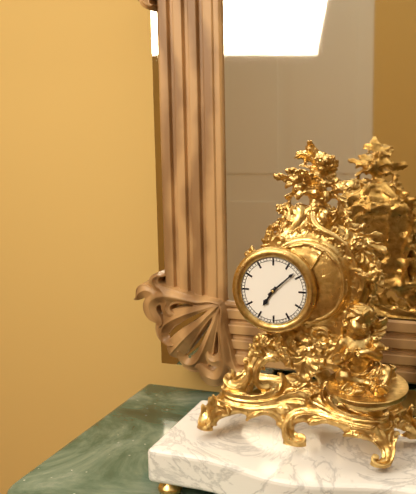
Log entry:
7 h 08 min
